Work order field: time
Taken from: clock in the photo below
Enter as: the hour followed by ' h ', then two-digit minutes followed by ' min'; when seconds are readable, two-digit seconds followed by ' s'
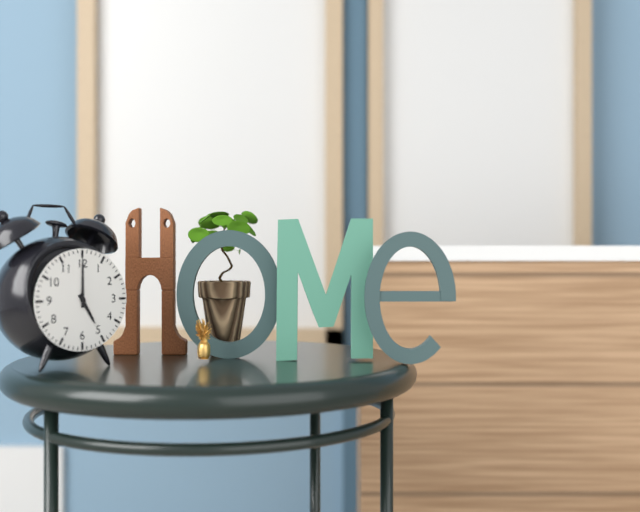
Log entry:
5 h 00 min
